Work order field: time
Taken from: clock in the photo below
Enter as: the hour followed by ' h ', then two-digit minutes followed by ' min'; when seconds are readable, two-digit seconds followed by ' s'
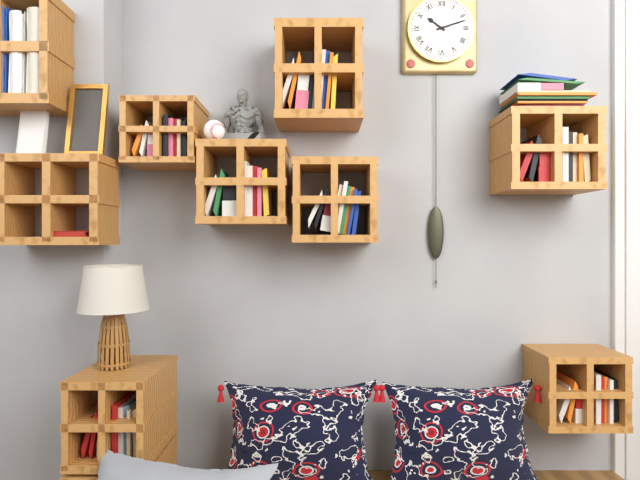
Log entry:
10 h 12 min
